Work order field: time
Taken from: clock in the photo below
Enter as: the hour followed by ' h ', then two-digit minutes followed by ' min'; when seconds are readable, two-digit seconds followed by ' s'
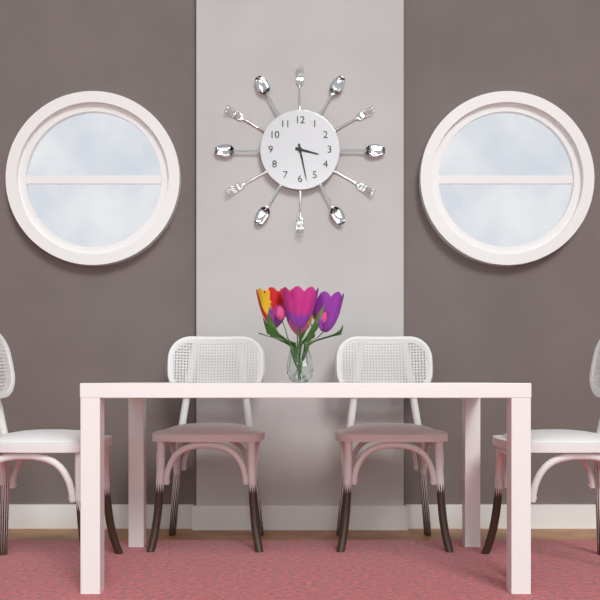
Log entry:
3 h 28 min
